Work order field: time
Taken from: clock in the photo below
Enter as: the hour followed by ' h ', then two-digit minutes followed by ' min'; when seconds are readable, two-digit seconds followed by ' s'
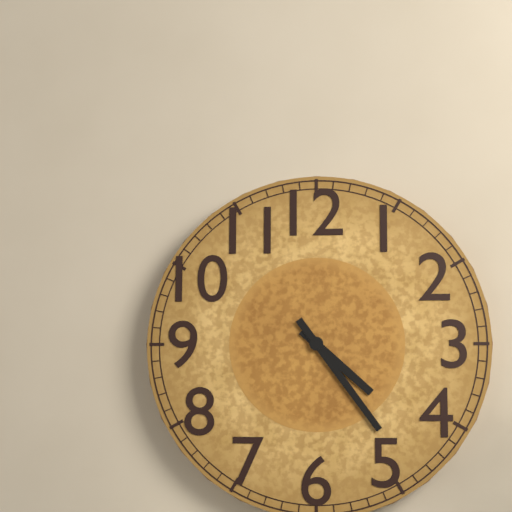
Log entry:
4 h 24 min
